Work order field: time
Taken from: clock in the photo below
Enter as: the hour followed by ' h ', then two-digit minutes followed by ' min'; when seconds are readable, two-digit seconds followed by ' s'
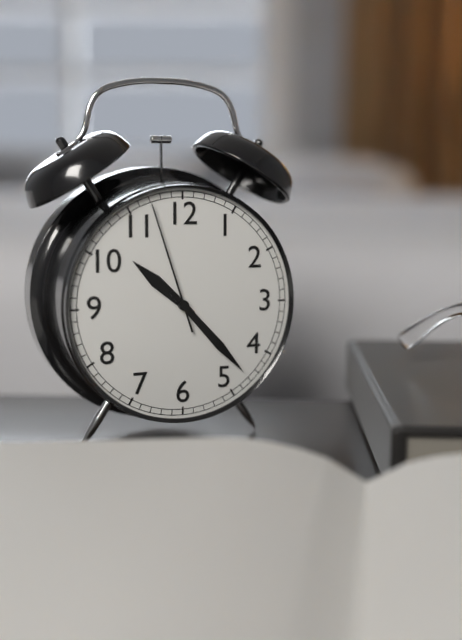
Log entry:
10 h 23 min 57 s
